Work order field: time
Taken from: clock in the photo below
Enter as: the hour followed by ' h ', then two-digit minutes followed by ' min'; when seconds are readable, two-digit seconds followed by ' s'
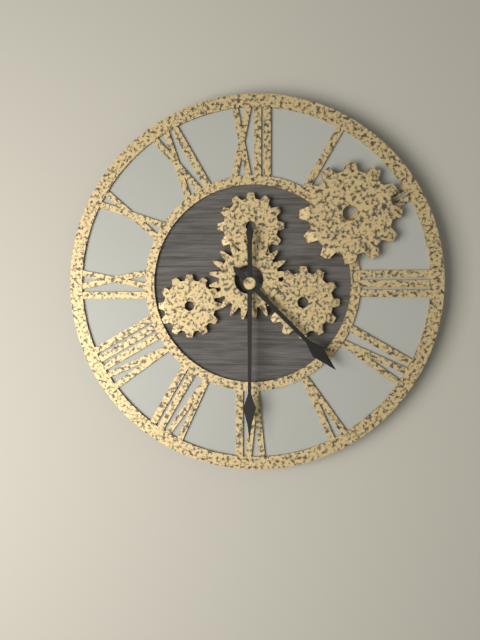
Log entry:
4 h 30 min
